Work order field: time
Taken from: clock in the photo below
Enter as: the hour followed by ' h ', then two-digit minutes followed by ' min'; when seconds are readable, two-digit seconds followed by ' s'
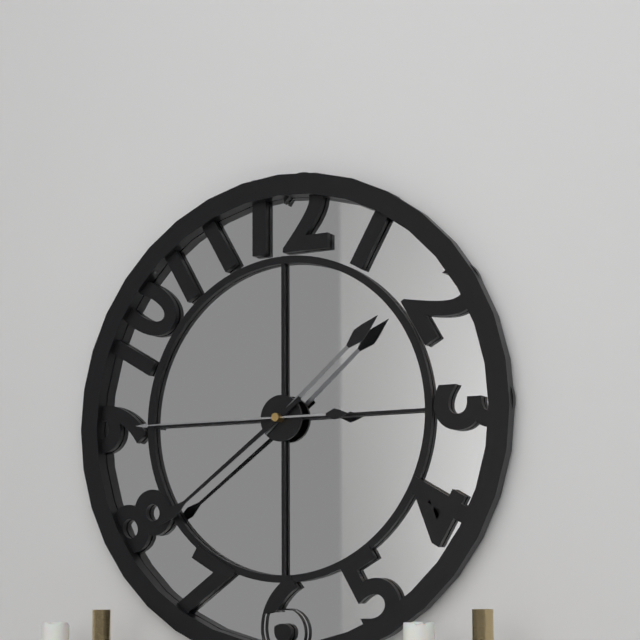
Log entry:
1 h 39 min 45 s
